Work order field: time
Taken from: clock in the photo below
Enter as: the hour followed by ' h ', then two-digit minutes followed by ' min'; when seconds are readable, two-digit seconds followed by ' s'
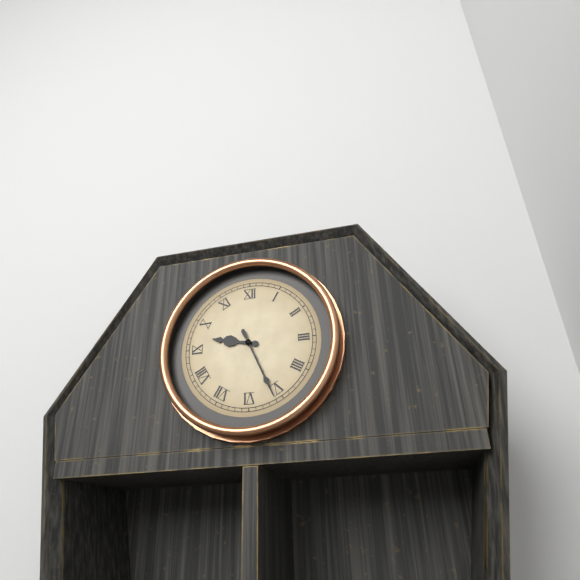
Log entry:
9 h 26 min
